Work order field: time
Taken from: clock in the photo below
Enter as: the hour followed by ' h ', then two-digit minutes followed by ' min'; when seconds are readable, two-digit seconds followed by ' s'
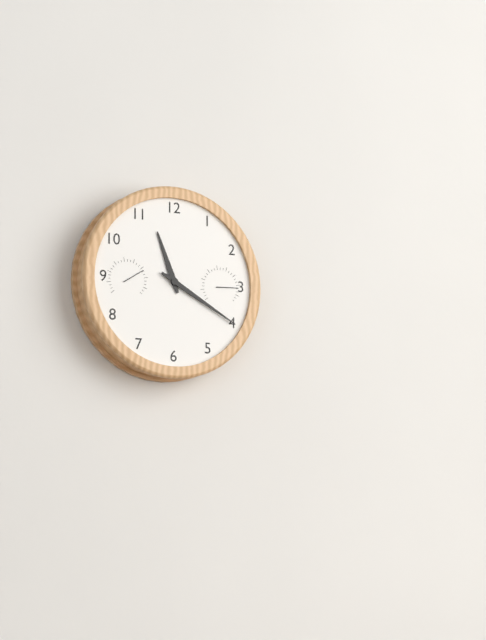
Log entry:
11 h 20 min
